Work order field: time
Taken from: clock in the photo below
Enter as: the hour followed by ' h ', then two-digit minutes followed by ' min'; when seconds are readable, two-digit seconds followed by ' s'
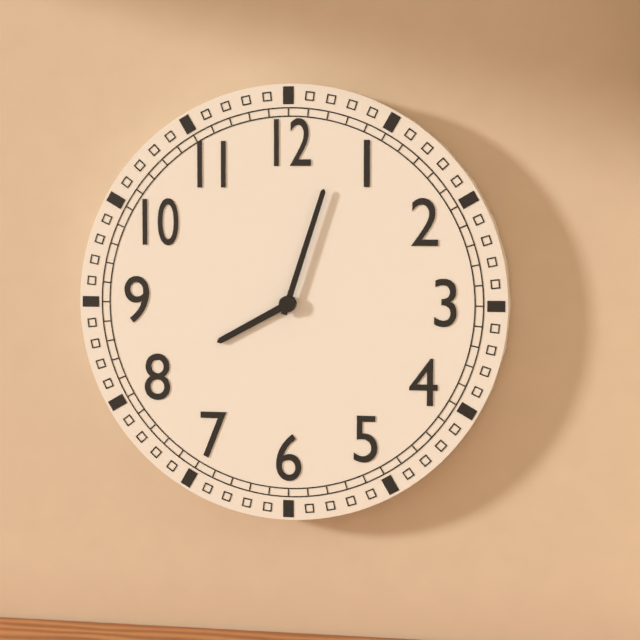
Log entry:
8 h 03 min
